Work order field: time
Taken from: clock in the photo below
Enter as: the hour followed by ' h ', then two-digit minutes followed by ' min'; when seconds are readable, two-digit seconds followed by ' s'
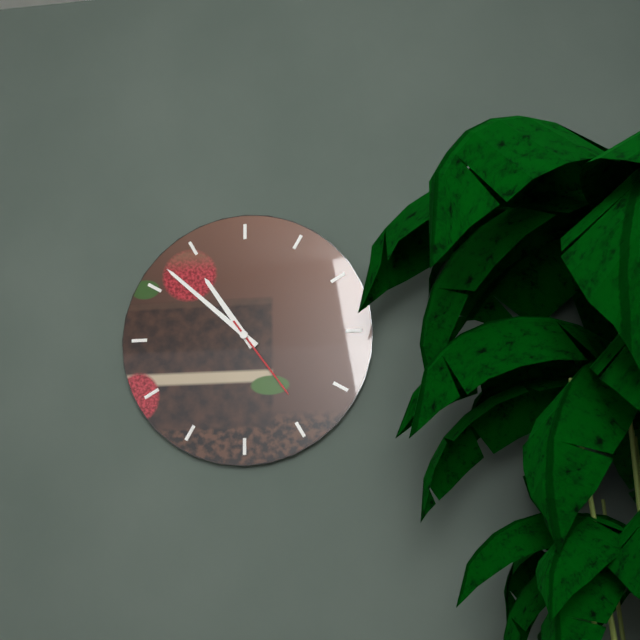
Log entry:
10 h 52 min 24 s
